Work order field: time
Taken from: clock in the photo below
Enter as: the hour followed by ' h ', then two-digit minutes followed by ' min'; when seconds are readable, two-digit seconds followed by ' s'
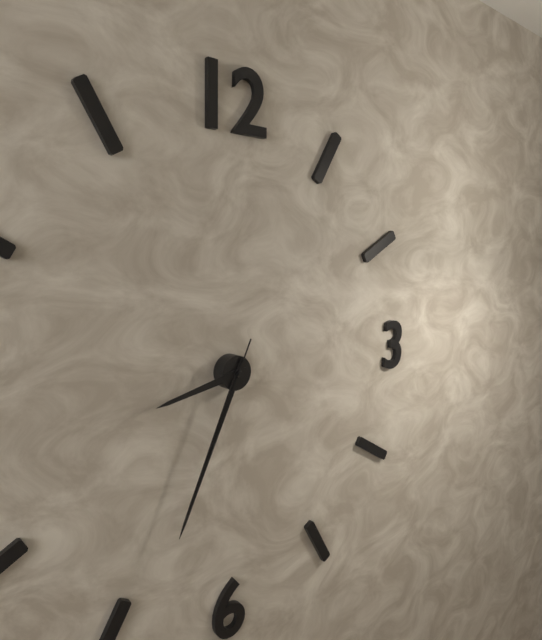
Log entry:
8 h 34 min 34 s
